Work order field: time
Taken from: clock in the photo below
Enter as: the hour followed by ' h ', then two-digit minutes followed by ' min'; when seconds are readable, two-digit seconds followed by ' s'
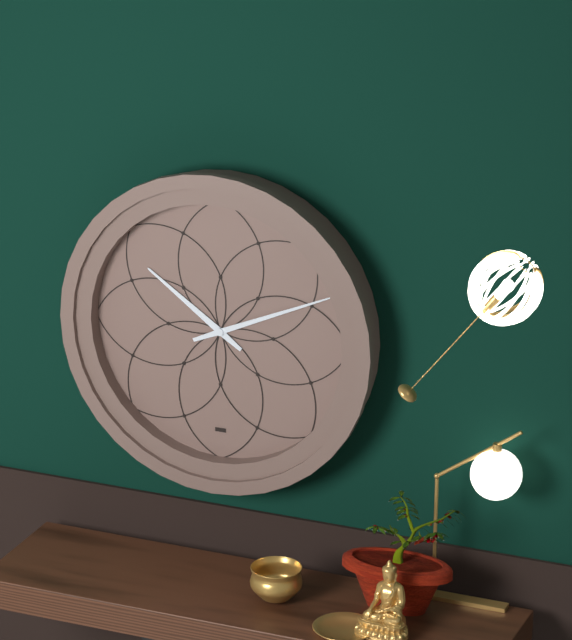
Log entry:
10 h 11 min
